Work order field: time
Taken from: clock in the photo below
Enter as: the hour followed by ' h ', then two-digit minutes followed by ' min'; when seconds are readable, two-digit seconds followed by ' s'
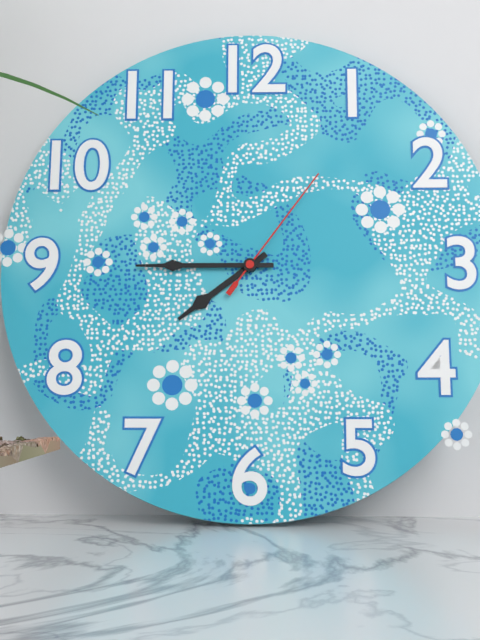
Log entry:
7 h 45 min 06 s
